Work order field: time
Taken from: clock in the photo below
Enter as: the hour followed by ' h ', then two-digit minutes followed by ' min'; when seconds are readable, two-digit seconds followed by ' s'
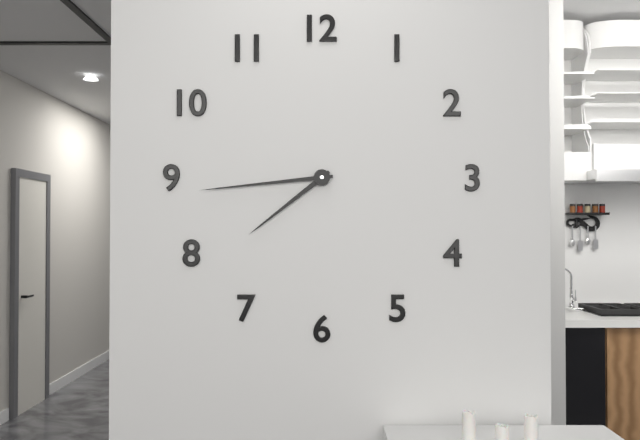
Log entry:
7 h 44 min
